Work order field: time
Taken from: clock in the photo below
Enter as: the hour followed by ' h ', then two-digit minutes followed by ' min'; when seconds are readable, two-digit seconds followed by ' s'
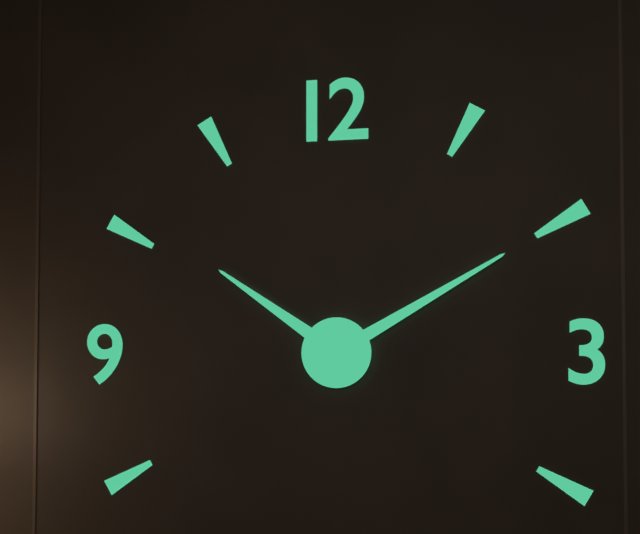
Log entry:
10 h 10 min
